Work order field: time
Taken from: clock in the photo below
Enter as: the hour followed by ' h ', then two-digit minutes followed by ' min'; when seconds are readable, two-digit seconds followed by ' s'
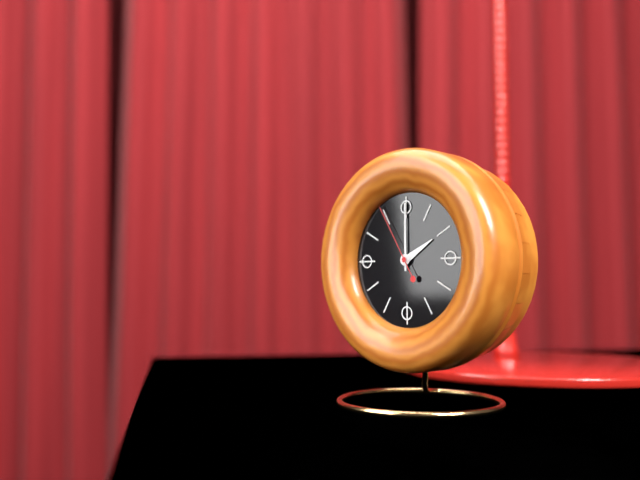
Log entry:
2 h 00 min 55 s
